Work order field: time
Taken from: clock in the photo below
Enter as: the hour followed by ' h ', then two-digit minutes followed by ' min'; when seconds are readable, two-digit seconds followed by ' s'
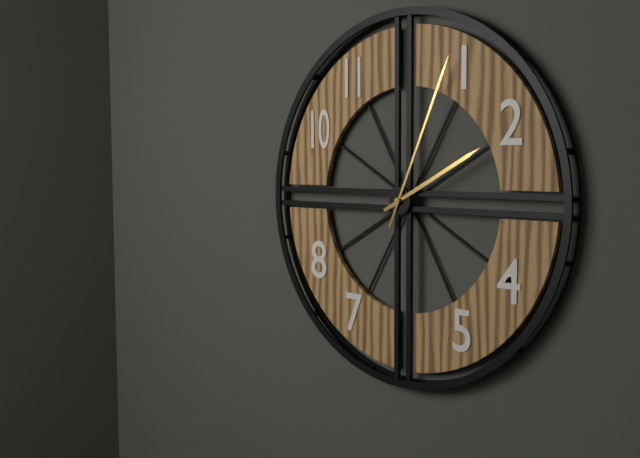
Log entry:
2 h 04 min
